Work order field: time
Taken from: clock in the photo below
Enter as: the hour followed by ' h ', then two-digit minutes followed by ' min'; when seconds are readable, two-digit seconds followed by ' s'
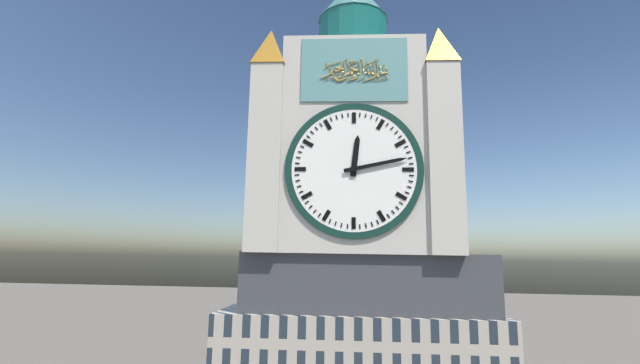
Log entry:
12 h 13 min
